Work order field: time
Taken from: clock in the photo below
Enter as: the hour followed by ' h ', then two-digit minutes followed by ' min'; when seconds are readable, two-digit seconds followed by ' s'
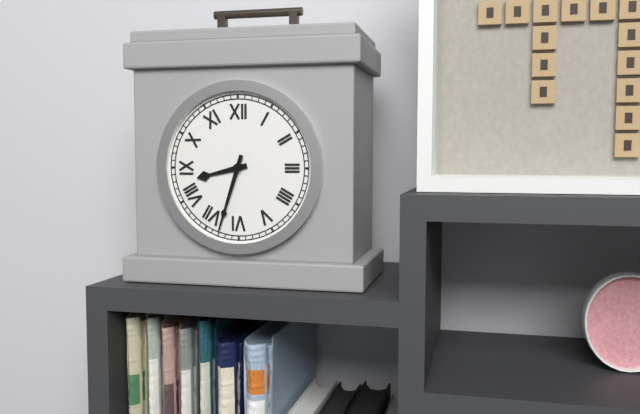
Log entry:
8 h 33 min
